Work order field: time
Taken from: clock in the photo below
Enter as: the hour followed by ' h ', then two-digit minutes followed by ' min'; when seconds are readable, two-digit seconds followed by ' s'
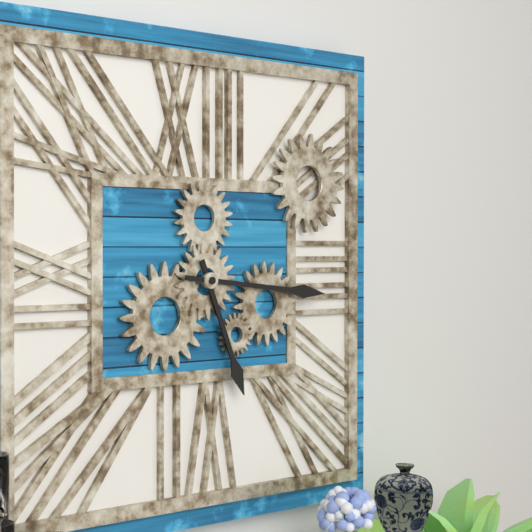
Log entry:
5 h 16 min
